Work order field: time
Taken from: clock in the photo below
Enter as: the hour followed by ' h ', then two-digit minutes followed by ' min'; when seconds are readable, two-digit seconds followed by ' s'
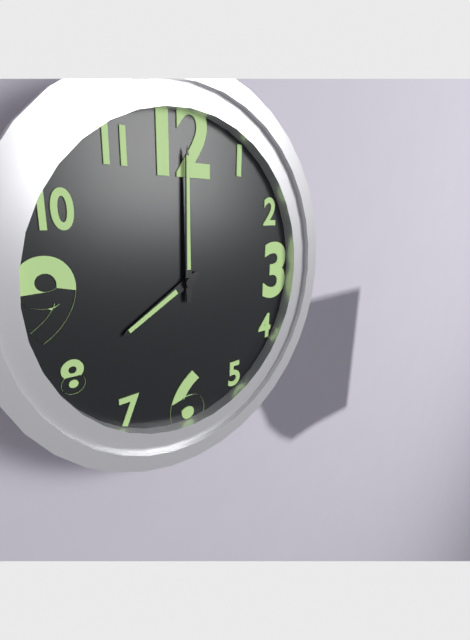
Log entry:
8 h 00 min
